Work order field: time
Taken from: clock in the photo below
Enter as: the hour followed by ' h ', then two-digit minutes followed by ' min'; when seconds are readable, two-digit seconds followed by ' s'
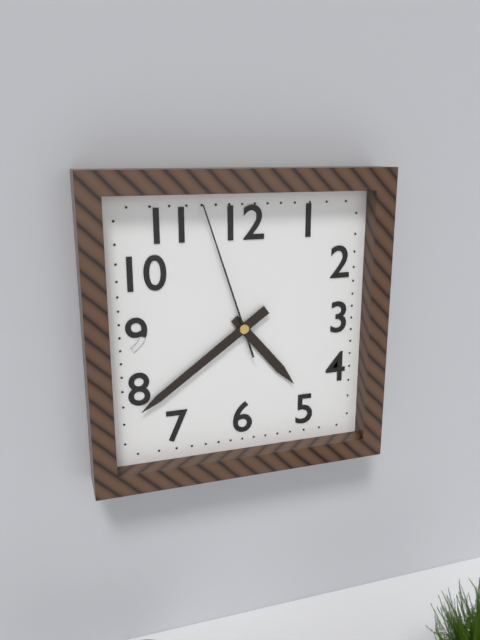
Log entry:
4 h 39 min 57 s
